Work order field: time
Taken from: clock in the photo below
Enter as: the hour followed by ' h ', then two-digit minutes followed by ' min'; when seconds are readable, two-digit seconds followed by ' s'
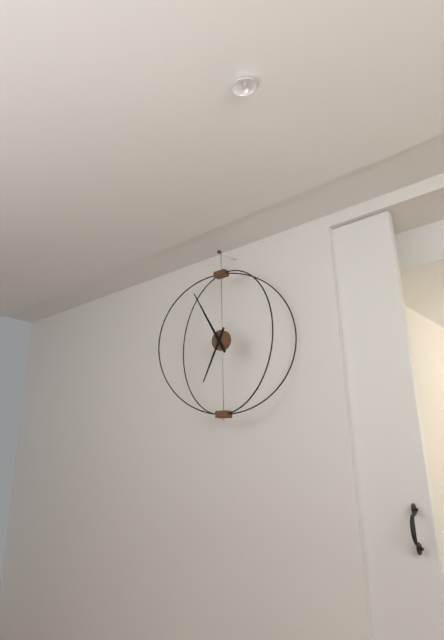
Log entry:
6 h 55 min
